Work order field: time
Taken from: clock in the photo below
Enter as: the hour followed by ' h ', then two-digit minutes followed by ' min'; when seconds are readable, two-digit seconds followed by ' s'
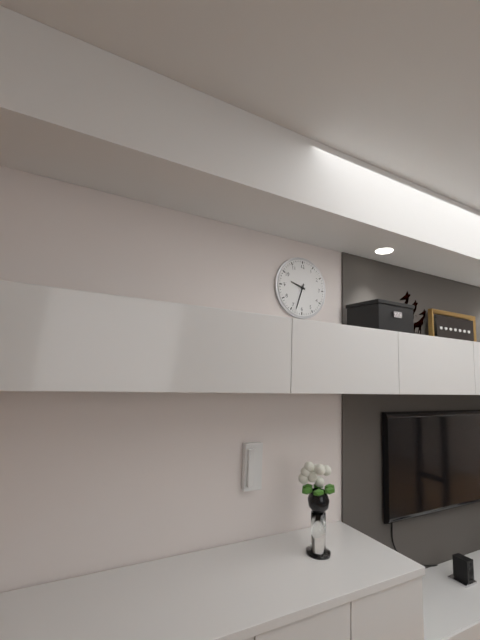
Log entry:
9 h 33 min
